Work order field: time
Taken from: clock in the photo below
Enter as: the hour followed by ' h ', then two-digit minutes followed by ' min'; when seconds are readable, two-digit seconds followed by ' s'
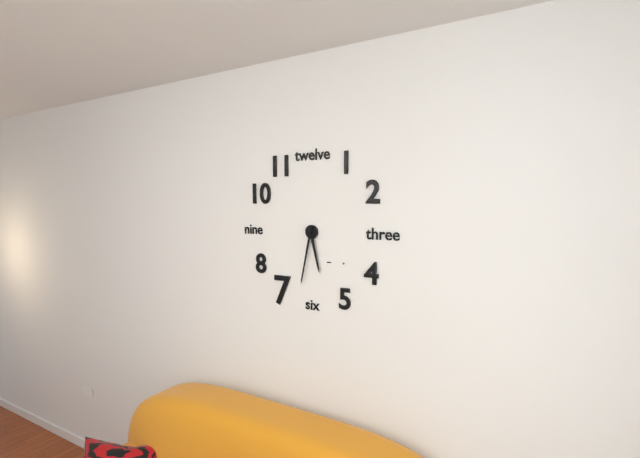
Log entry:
5 h 32 min
